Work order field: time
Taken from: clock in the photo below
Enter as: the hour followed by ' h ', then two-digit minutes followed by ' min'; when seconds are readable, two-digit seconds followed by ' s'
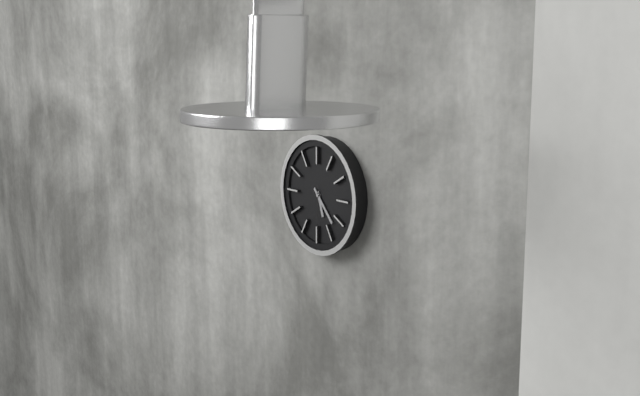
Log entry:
5 h 23 min 30 s
